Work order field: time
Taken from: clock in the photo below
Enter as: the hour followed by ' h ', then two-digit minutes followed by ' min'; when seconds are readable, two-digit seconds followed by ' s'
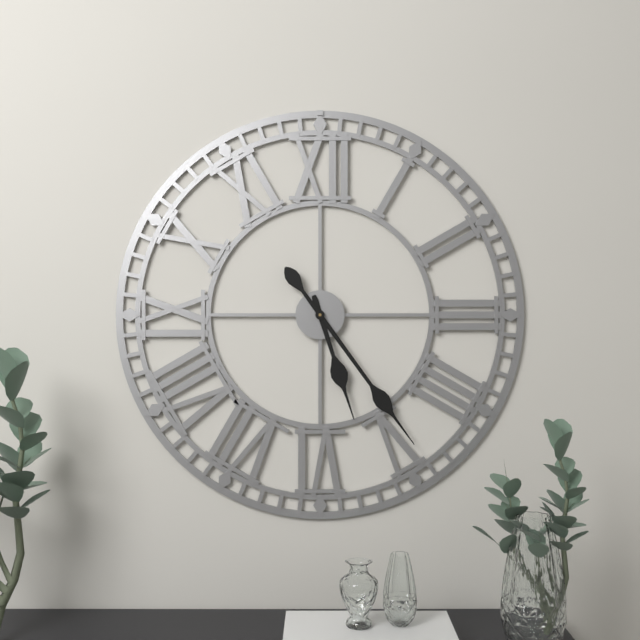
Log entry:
5 h 24 min
